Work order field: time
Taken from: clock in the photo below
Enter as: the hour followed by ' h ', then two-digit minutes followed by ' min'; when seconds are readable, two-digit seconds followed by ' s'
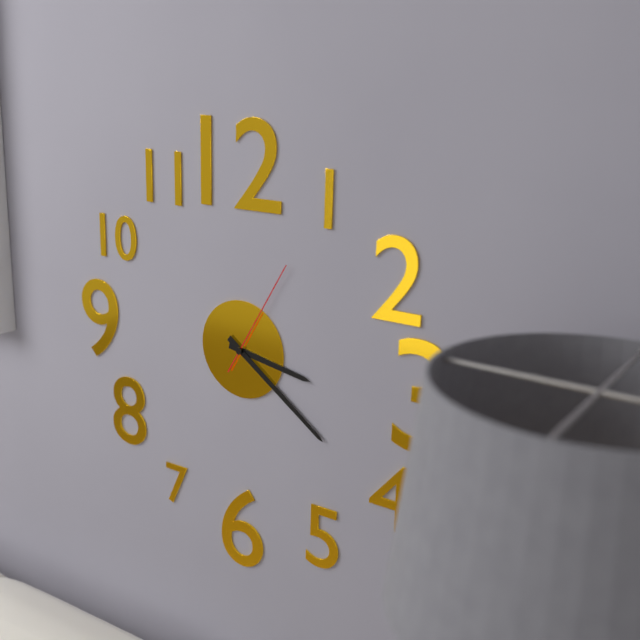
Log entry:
3 h 21 min 05 s
